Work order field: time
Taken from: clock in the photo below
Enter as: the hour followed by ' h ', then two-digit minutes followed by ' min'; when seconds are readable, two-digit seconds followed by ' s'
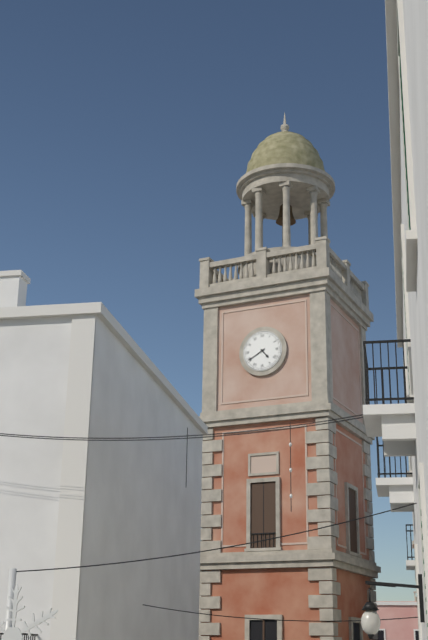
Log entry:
4 h 40 min
